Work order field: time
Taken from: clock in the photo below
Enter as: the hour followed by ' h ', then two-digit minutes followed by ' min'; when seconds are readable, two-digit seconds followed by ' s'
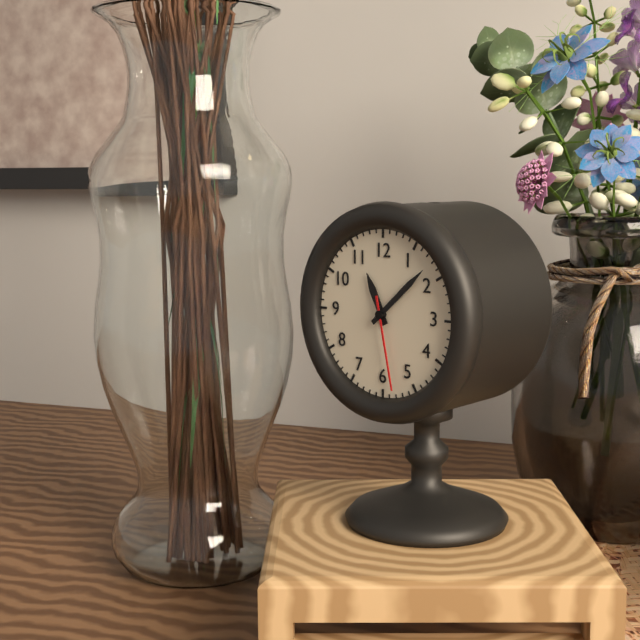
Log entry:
11 h 08 min 28 s
